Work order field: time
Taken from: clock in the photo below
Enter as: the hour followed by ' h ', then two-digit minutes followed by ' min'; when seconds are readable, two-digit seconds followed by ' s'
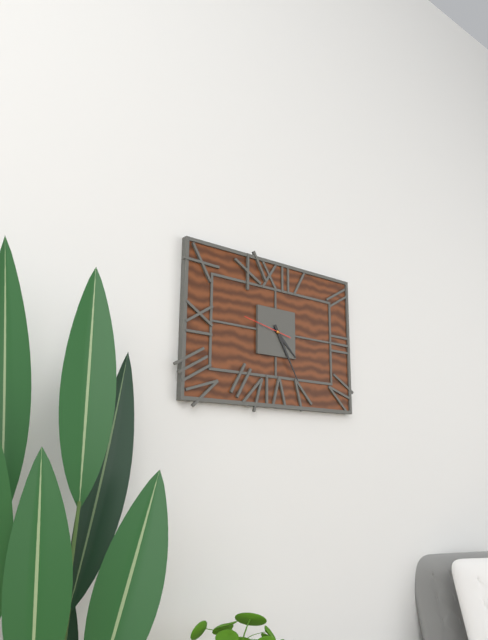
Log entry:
4 h 25 min
